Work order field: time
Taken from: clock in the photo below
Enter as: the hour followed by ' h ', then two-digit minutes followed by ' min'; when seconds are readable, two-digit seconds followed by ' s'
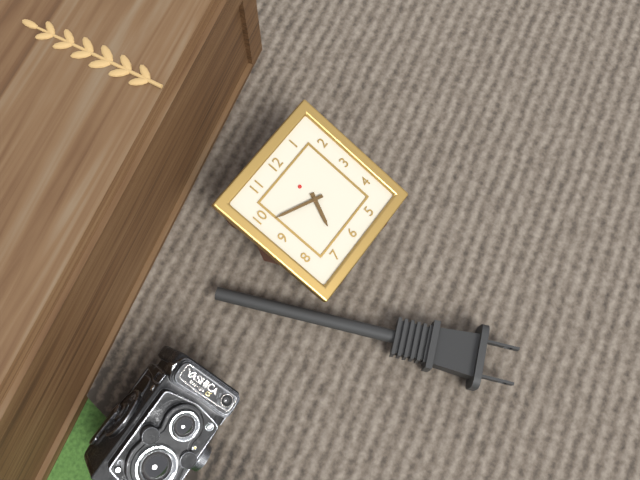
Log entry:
6 h 49 min
